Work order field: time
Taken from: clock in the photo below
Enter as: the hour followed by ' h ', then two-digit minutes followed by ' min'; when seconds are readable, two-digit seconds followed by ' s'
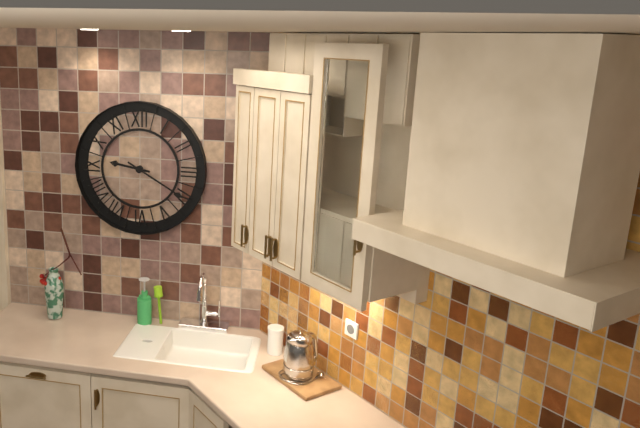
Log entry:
9 h 20 min
